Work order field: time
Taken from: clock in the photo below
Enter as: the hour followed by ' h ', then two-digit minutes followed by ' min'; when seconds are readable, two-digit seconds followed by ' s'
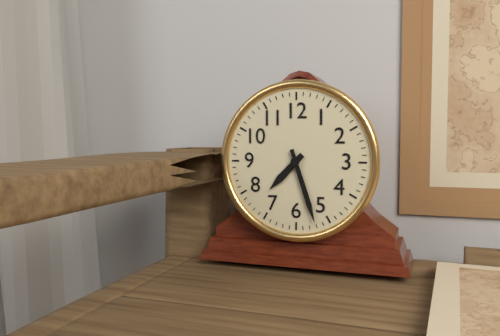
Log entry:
7 h 27 min
